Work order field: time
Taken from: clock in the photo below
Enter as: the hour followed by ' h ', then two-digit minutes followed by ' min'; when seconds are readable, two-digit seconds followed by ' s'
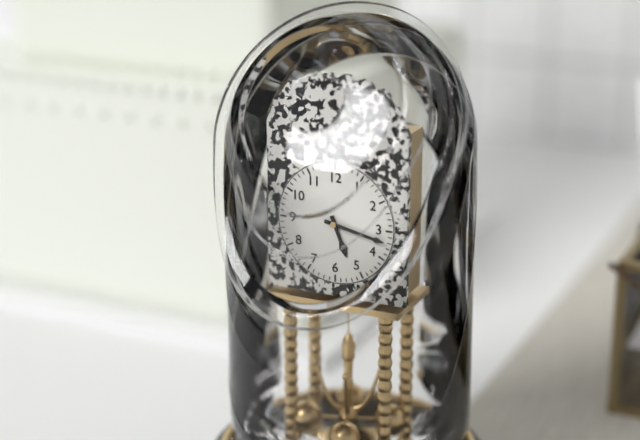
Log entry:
5 h 17 min
